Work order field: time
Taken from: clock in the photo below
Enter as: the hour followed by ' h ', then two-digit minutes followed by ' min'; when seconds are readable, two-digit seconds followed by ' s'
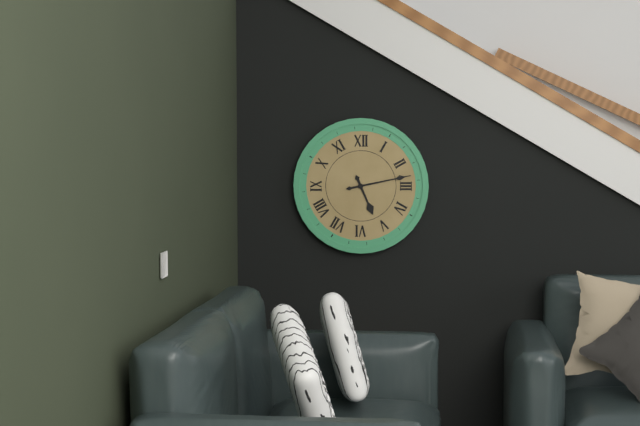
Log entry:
5 h 13 min
